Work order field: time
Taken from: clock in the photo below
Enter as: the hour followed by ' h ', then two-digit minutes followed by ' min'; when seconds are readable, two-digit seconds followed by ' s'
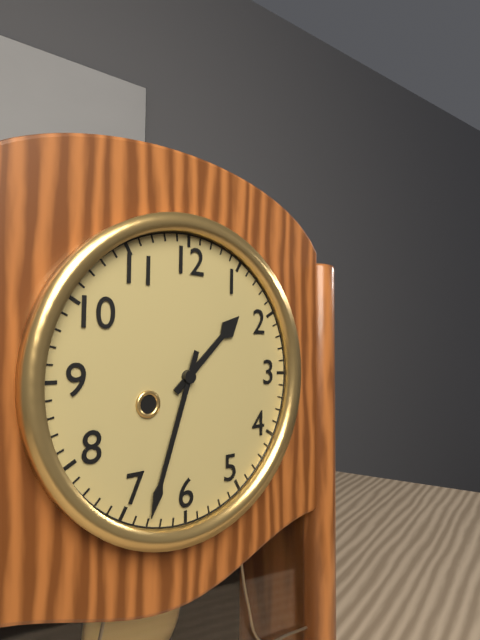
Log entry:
1 h 33 min
